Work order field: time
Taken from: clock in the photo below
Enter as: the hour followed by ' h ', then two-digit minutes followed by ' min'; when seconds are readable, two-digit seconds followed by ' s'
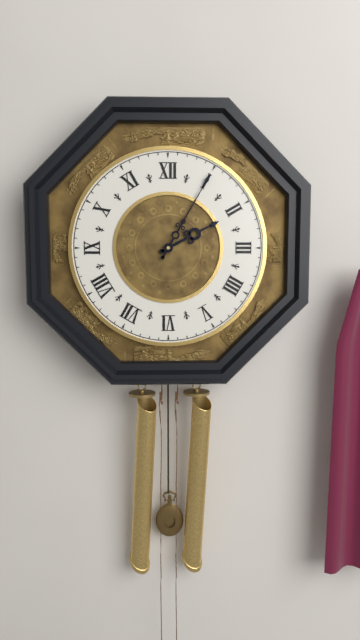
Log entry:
2 h 05 min
